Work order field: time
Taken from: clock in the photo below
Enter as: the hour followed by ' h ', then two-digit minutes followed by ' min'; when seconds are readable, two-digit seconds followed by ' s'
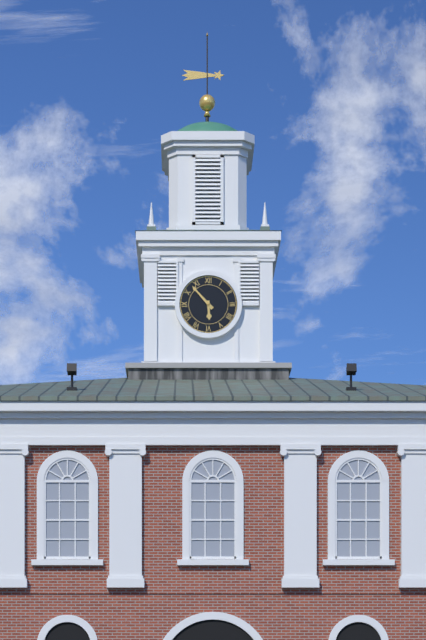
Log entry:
5 h 53 min
